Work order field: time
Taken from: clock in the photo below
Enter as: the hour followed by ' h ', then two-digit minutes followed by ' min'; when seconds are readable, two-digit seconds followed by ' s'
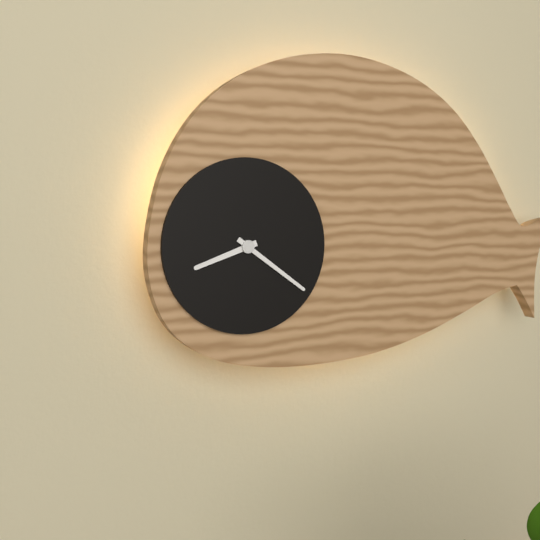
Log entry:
8 h 21 min
